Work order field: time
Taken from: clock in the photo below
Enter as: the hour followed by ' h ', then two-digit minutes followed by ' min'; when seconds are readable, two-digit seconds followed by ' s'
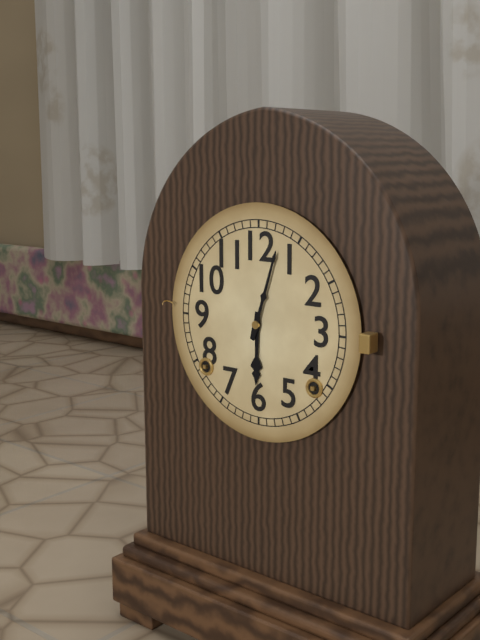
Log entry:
6 h 03 min
